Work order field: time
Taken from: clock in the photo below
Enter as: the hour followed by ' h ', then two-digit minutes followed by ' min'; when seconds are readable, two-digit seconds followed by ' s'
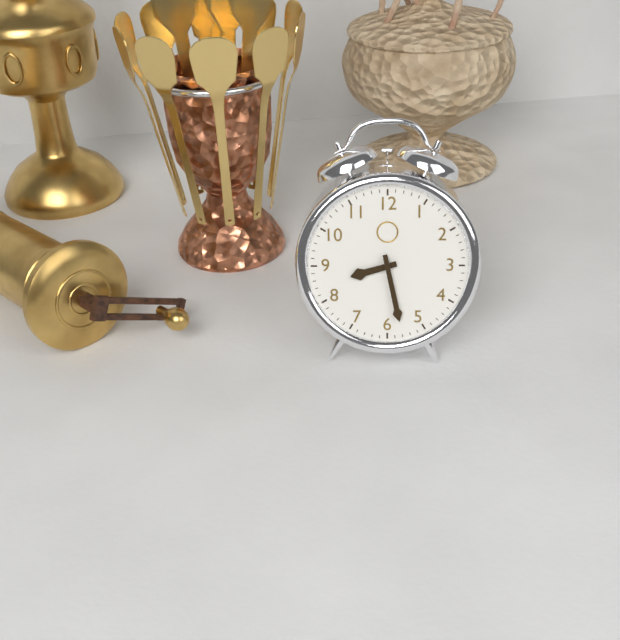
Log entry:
8 h 28 min
